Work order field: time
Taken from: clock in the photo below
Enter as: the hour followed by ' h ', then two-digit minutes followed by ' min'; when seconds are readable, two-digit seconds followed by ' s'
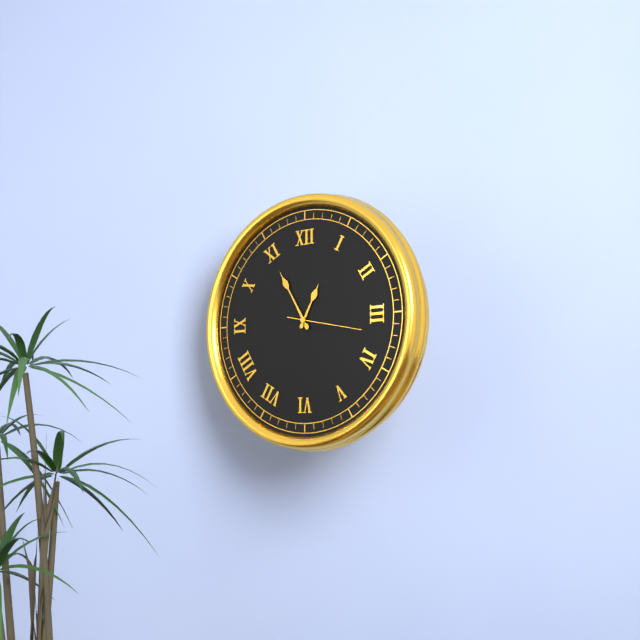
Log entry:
12 h 55 min 17 s
